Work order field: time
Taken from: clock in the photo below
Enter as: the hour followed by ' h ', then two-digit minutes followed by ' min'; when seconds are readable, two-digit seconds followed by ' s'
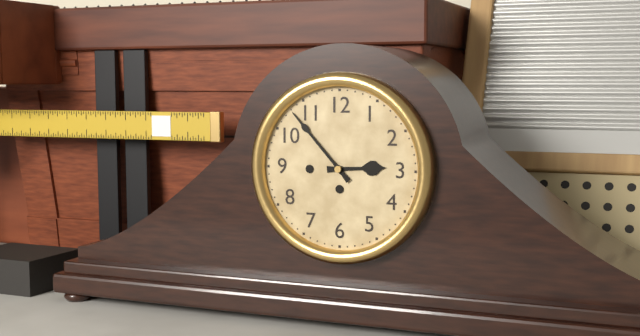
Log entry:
2 h 53 min
